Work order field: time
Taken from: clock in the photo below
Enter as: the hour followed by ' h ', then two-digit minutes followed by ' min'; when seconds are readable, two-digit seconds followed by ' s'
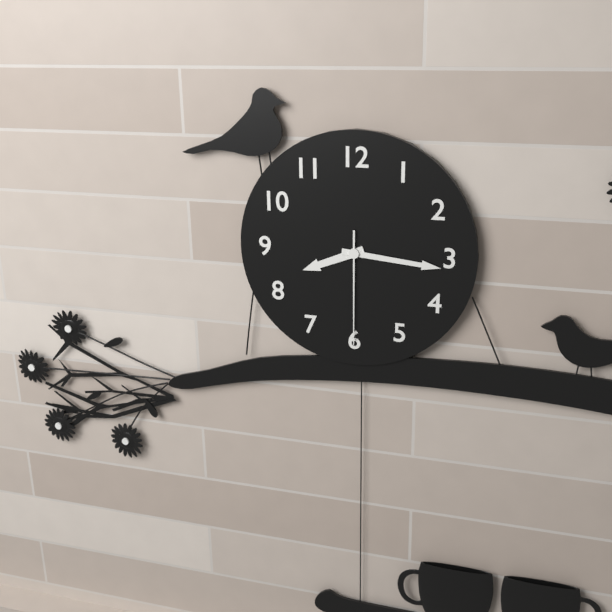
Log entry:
8 h 16 min 30 s
